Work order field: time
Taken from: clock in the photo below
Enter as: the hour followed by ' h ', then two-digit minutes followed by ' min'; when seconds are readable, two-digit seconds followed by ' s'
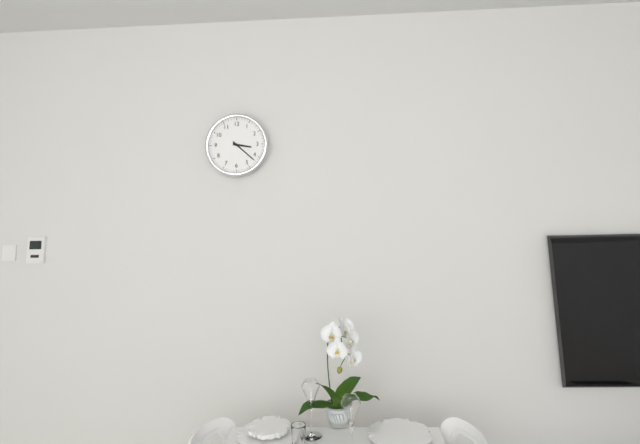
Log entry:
3 h 22 min
